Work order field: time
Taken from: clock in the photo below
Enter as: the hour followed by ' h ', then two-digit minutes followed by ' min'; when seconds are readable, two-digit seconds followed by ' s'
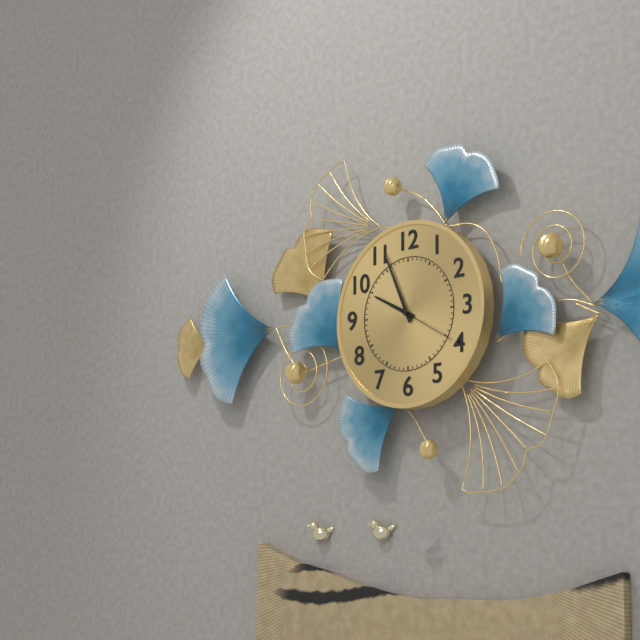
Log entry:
9 h 56 min 20 s
